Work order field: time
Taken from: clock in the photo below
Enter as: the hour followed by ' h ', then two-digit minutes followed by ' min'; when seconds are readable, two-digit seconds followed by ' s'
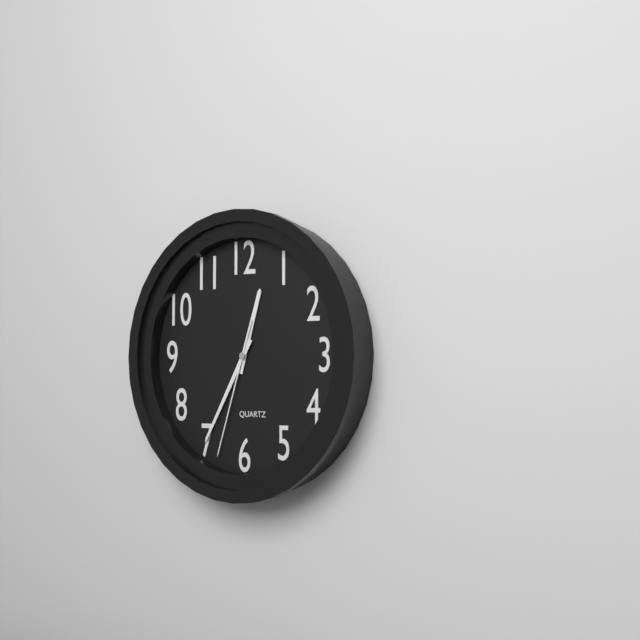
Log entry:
12 h 35 min 33 s
